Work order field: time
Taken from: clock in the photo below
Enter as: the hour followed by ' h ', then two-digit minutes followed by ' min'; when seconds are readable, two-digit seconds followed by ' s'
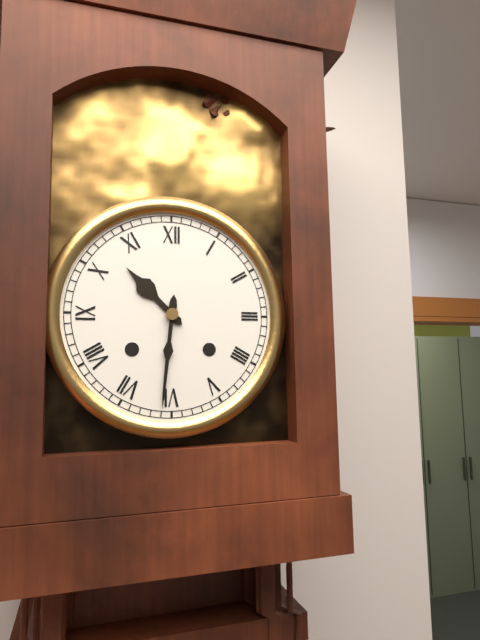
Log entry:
10 h 31 min
